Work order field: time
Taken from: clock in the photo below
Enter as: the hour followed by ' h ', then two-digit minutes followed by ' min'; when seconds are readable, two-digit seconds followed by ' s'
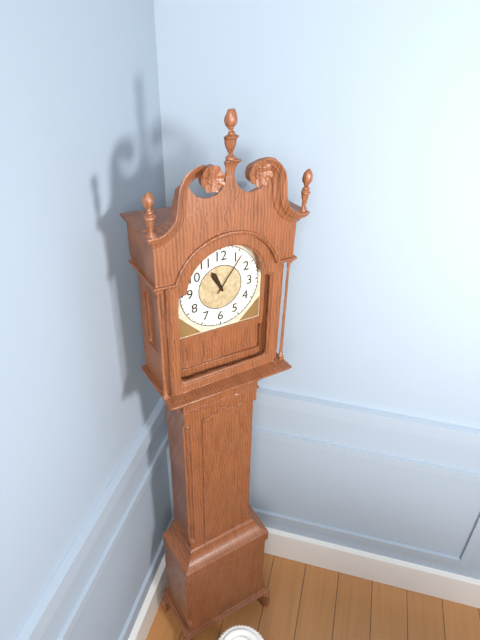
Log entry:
11 h 06 min
